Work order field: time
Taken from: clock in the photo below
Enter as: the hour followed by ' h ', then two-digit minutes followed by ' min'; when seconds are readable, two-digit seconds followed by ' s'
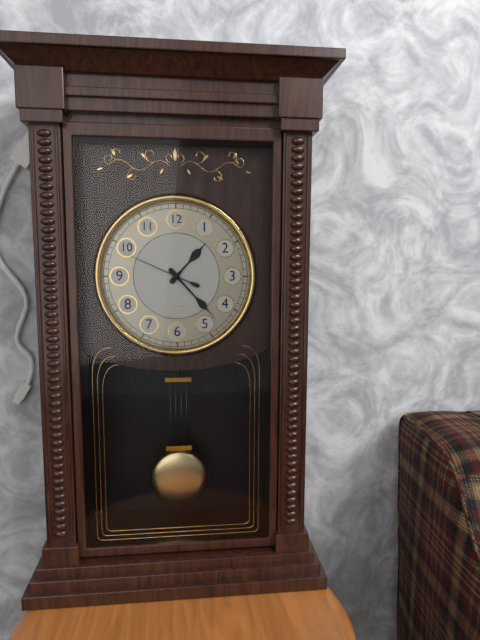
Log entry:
1 h 23 min 49 s
